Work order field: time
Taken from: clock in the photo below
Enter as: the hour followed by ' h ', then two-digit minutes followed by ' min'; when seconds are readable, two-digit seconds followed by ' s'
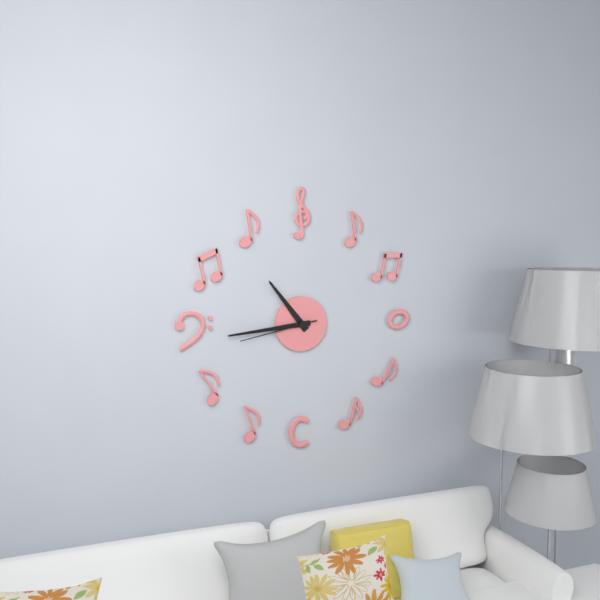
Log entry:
10 h 44 min 43 s
